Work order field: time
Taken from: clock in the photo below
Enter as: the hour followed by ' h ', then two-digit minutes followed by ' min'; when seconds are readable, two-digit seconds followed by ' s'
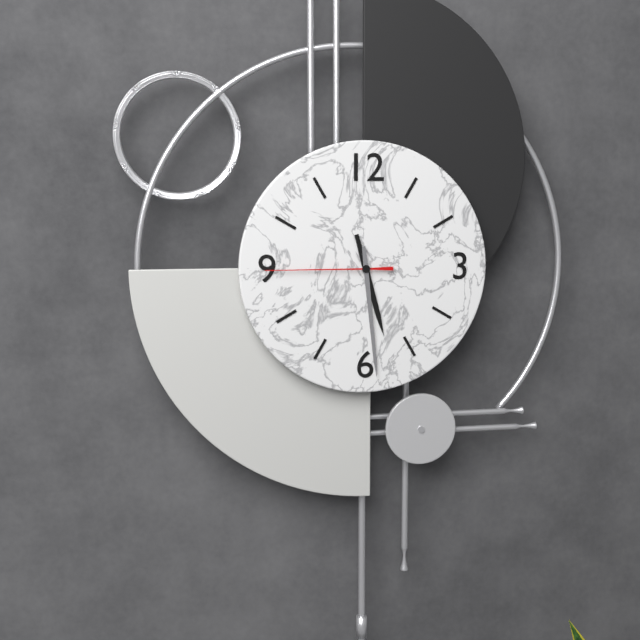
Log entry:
5 h 29 min 45 s
